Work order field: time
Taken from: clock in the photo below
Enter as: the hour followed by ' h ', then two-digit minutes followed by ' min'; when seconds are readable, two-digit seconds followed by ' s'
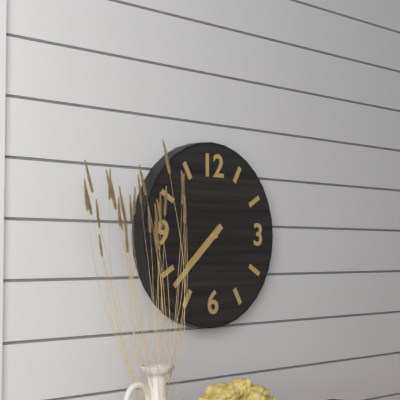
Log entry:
7 h 38 min
